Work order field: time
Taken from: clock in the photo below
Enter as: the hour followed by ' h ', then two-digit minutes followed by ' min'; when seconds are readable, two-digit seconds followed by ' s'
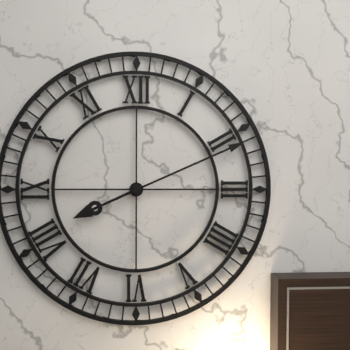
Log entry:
8 h 11 min
